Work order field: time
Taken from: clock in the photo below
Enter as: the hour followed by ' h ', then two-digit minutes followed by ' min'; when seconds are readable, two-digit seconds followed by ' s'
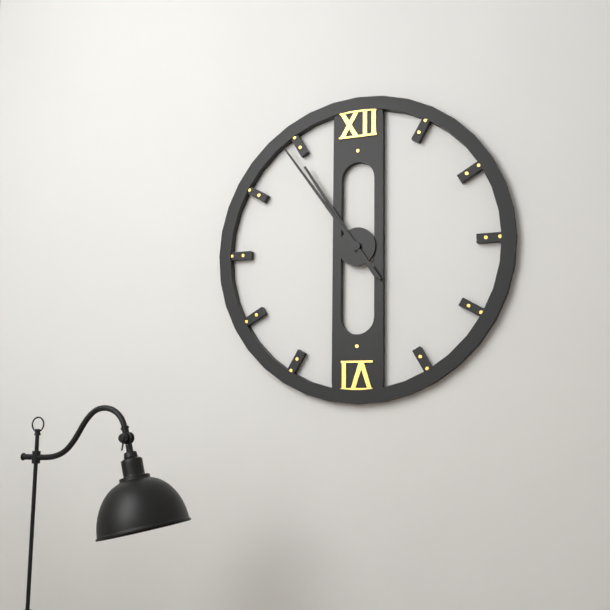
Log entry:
10 h 54 min
